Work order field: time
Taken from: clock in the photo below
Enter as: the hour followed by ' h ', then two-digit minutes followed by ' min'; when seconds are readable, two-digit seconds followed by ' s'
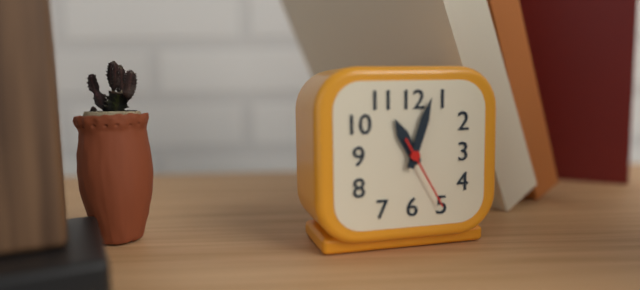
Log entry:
11 h 03 min 25 s
